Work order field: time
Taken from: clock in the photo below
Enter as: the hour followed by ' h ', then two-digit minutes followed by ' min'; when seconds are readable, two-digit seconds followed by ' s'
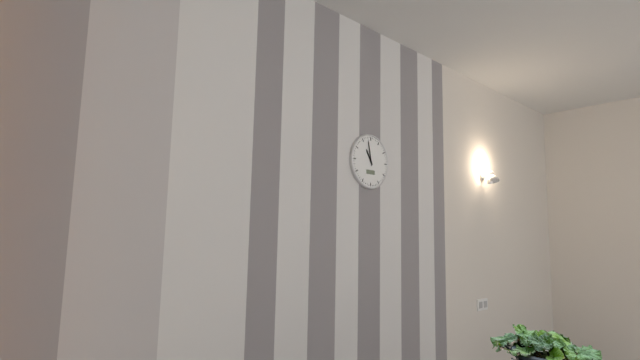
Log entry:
10 h 58 min
